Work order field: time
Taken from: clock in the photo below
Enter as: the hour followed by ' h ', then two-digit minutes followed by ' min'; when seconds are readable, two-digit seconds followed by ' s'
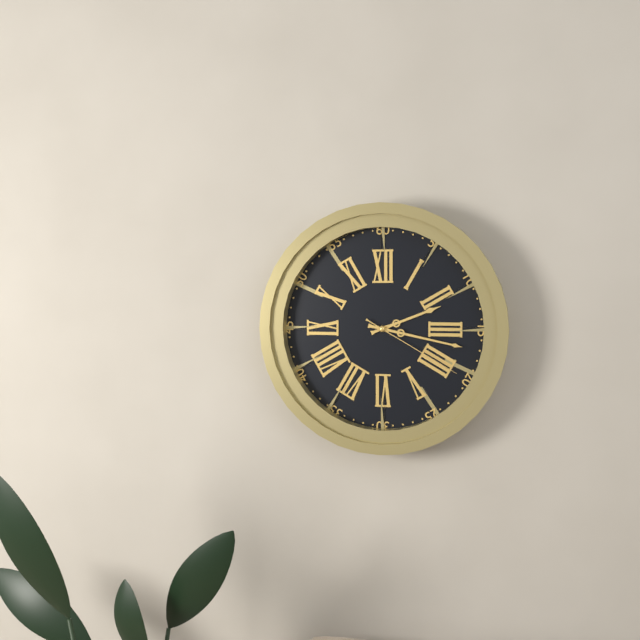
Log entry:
2 h 17 min 20 s
